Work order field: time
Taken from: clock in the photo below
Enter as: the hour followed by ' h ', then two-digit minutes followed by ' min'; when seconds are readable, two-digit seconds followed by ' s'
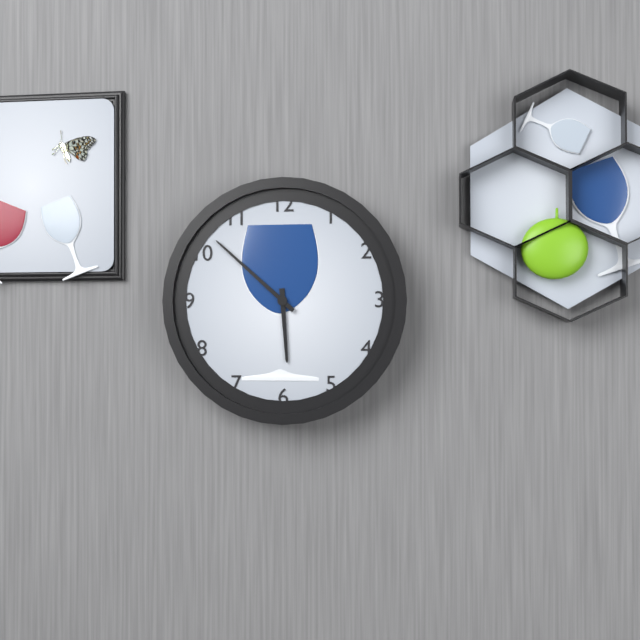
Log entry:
5 h 52 min
